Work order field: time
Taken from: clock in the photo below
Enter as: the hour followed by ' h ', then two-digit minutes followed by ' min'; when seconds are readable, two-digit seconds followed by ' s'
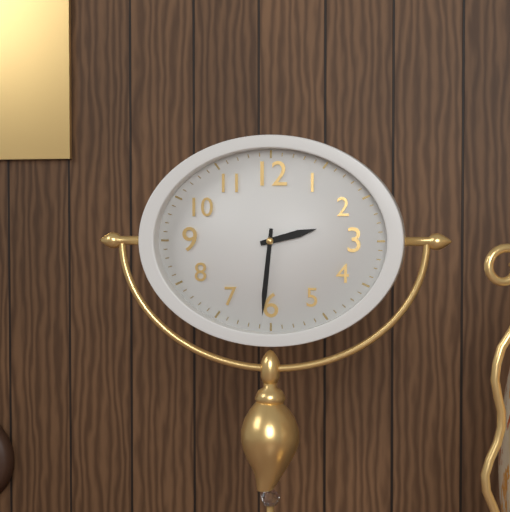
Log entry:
2 h 31 min
